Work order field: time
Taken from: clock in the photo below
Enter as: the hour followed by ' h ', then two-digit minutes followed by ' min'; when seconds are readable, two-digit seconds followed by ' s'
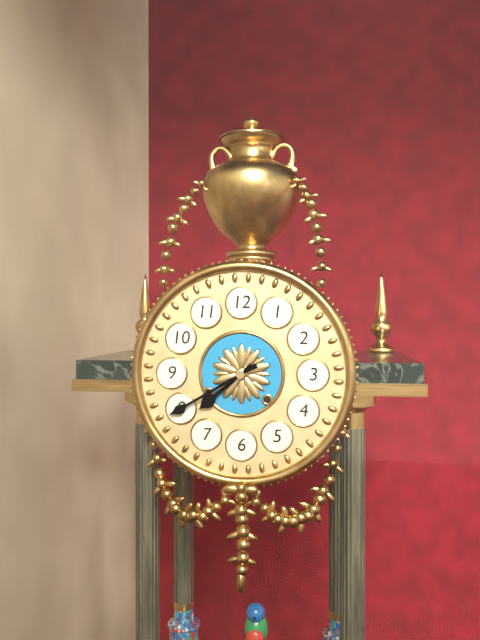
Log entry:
7 h 40 min
